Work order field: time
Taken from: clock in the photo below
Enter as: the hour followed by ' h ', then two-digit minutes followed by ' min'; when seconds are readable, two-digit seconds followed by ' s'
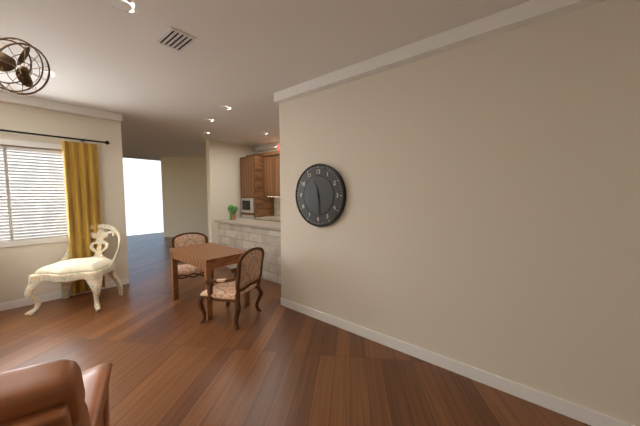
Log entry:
11 h 29 min
